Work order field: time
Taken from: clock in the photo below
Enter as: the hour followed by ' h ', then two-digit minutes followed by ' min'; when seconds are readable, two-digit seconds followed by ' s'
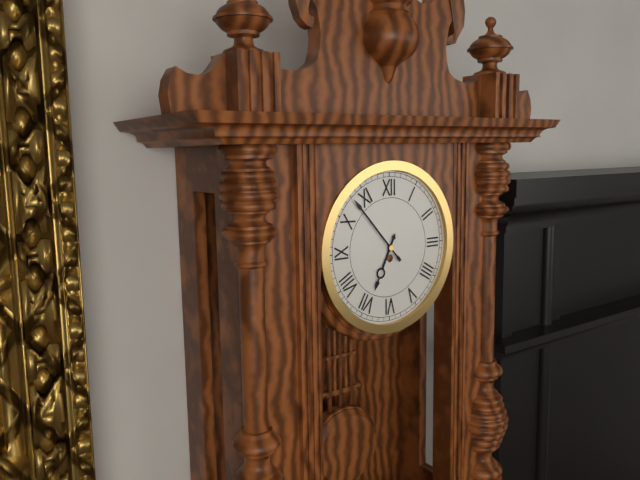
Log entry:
6 h 53 min
